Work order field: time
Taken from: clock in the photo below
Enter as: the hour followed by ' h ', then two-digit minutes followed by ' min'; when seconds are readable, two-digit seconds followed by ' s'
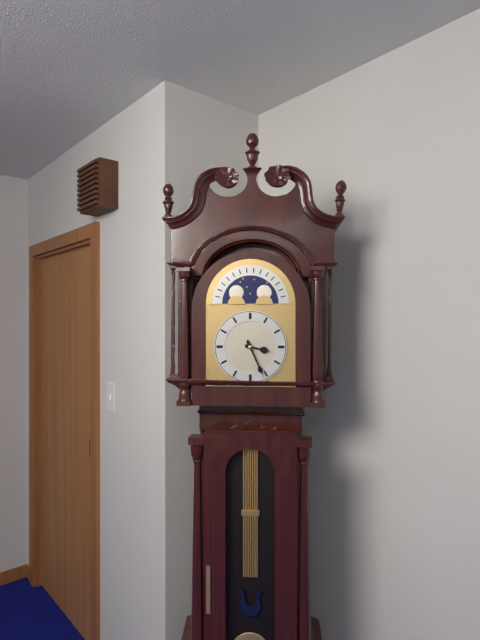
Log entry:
3 h 26 min
